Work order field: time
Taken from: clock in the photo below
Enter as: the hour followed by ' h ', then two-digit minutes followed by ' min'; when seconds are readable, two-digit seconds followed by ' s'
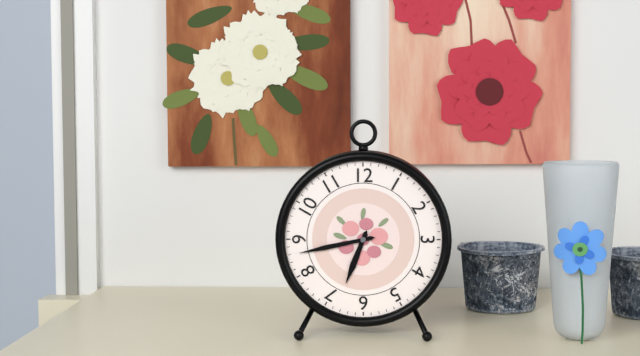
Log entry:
6 h 43 min
